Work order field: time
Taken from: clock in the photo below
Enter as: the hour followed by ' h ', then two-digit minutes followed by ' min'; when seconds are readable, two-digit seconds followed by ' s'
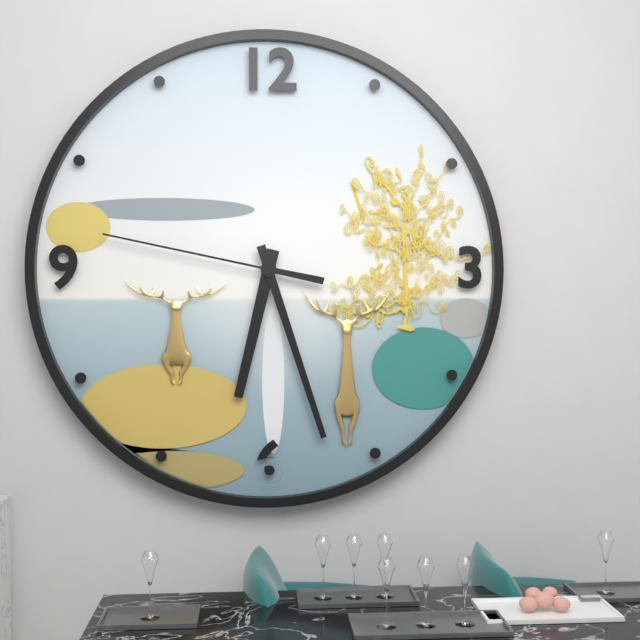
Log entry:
6 h 27 min 47 s
